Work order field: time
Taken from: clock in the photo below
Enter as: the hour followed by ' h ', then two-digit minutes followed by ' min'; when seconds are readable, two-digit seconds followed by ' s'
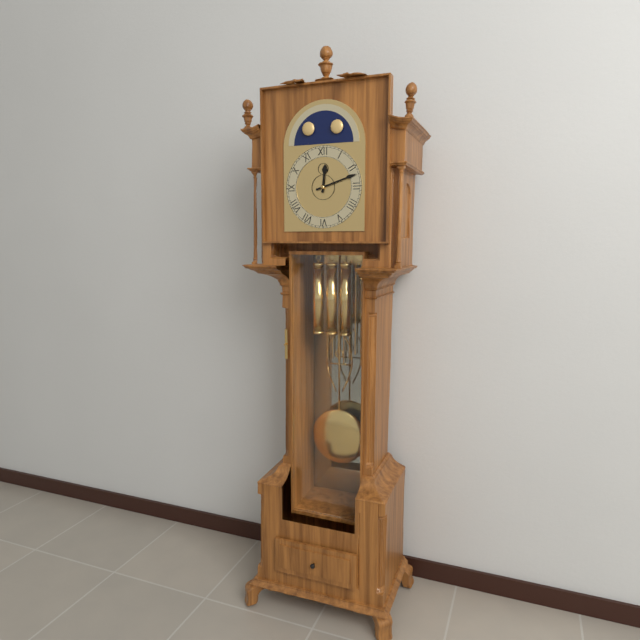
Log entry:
12 h 12 min
